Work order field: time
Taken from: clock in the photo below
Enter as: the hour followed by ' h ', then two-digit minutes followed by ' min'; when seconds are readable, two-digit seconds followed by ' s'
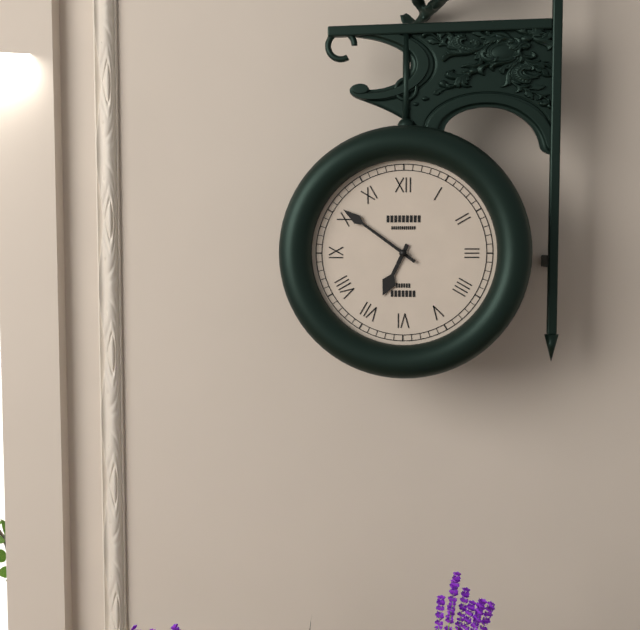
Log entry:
6 h 51 min
